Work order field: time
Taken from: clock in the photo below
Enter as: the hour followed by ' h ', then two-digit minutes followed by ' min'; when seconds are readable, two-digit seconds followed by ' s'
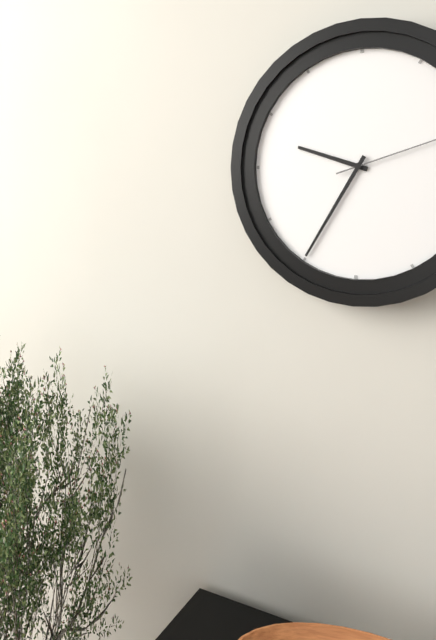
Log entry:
9 h 35 min
